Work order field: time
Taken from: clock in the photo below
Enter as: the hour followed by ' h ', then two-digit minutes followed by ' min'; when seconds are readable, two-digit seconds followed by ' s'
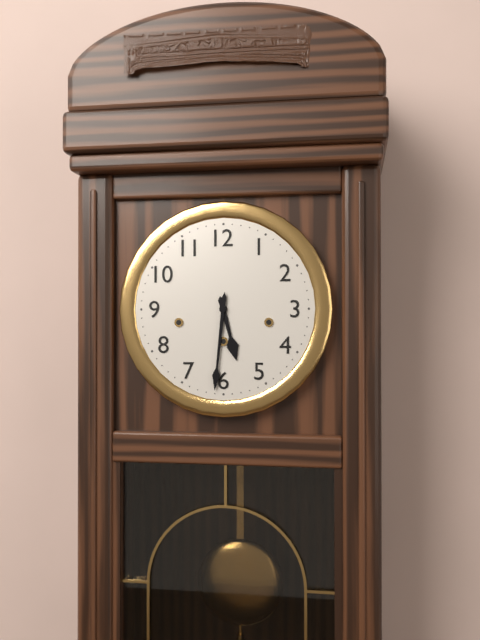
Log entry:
5 h 31 min
